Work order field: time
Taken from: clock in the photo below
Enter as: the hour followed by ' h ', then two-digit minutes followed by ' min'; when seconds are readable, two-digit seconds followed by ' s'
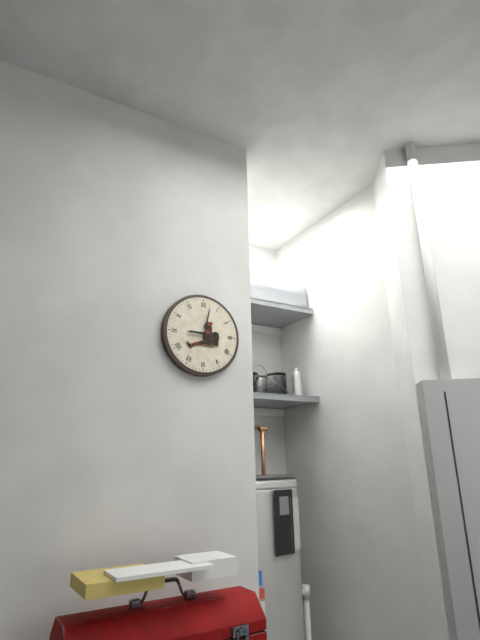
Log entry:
9 h 02 min
